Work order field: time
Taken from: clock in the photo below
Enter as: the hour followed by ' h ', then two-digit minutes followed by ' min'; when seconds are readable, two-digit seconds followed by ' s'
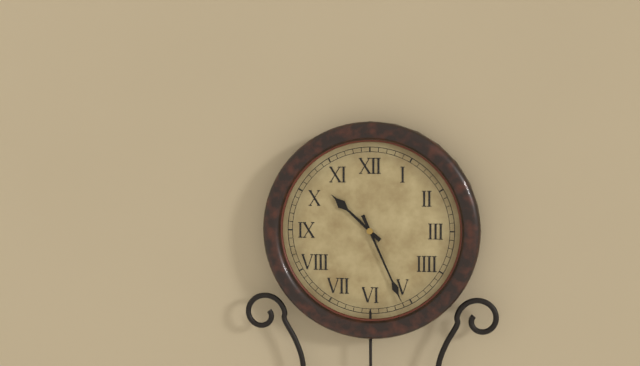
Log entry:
10 h 26 min
